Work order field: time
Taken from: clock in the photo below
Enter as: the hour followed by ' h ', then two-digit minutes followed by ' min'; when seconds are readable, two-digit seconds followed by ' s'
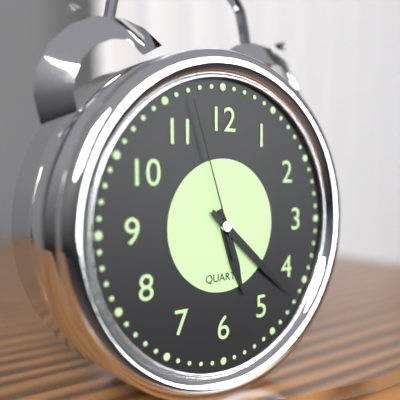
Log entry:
5 h 22 min 57 s
